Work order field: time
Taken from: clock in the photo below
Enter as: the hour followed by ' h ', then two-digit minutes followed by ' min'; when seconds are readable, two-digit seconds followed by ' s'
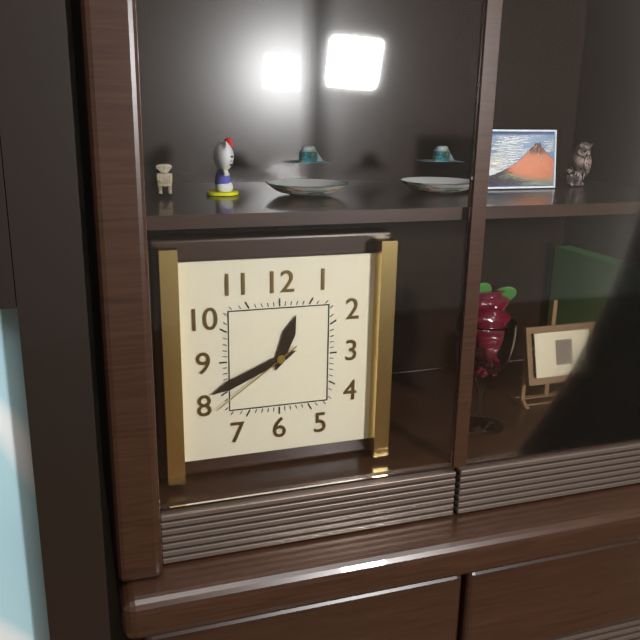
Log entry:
12 h 41 min 39 s
